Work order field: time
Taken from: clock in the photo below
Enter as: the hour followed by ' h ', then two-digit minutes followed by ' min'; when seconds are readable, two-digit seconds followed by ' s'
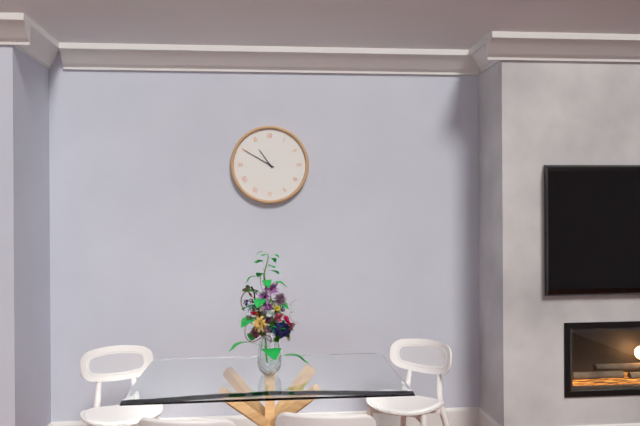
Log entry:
10 h 50 min
